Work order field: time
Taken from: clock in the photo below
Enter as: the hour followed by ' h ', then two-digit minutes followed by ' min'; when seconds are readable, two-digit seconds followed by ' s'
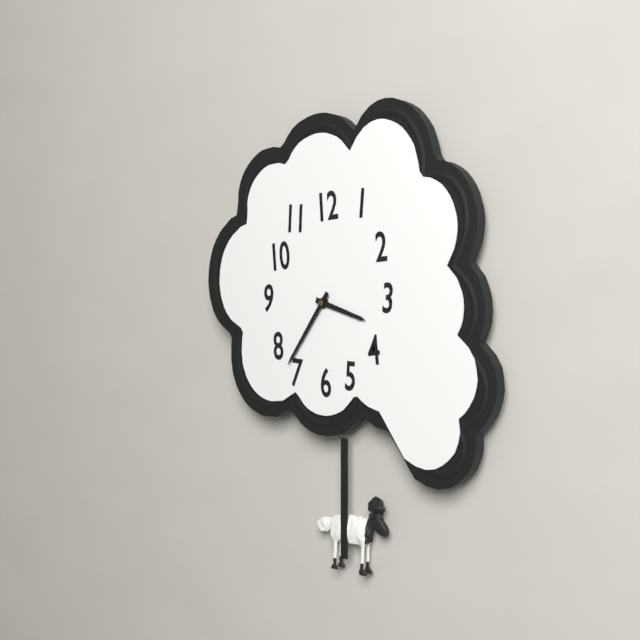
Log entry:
3 h 36 min
